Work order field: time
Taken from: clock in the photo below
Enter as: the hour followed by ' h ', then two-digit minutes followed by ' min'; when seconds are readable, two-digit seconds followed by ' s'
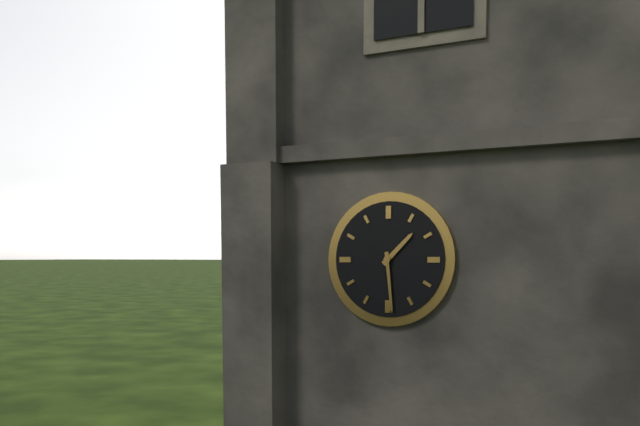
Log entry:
1 h 29 min
